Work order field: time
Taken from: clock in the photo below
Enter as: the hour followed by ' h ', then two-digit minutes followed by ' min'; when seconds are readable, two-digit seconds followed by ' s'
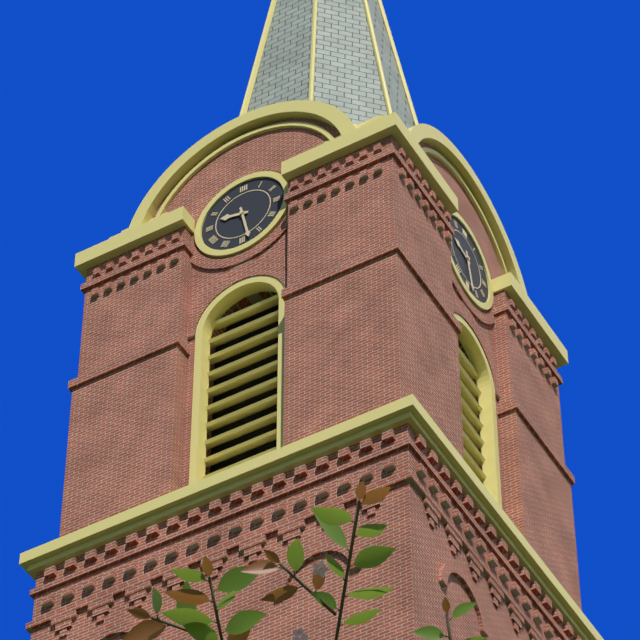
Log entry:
9 h 28 min
